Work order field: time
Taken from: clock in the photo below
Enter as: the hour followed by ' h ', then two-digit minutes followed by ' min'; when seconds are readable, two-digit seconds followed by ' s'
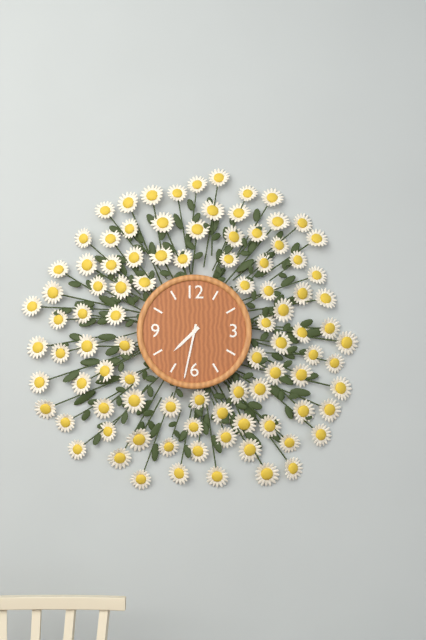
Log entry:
7 h 32 min
